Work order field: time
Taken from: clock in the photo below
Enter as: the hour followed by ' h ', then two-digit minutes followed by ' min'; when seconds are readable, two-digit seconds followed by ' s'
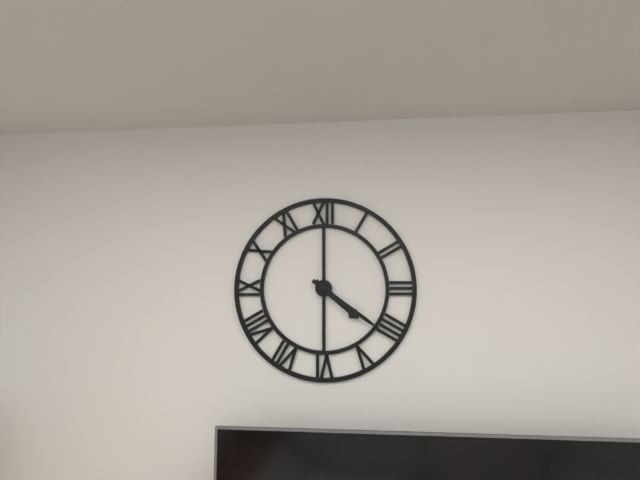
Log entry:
4 h 21 min
